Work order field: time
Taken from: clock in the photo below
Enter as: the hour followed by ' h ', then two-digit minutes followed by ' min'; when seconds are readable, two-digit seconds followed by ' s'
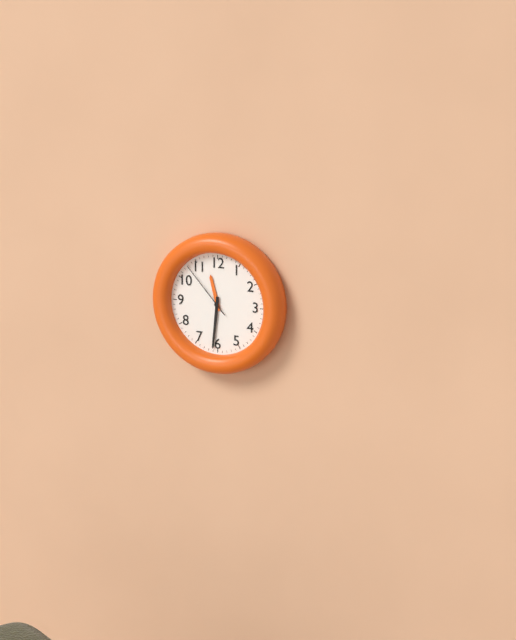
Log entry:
11 h 31 min 53 s
